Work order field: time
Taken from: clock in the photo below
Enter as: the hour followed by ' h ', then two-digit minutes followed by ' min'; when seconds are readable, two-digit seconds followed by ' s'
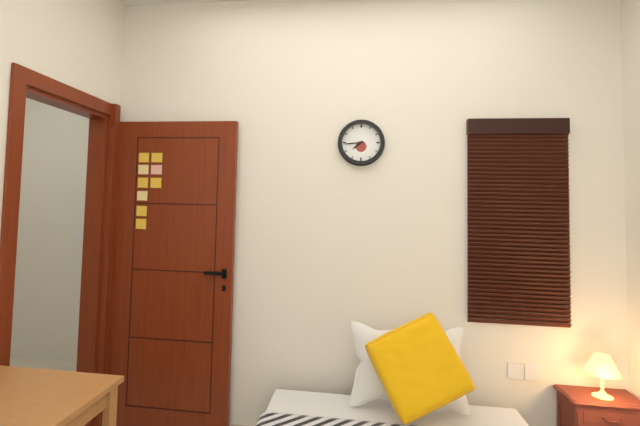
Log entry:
7 h 44 min
